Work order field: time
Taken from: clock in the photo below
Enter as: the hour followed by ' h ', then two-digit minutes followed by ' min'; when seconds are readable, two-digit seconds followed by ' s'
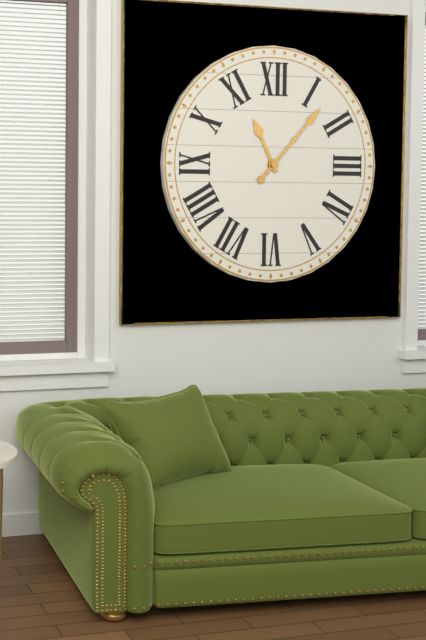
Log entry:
11 h 07 min
